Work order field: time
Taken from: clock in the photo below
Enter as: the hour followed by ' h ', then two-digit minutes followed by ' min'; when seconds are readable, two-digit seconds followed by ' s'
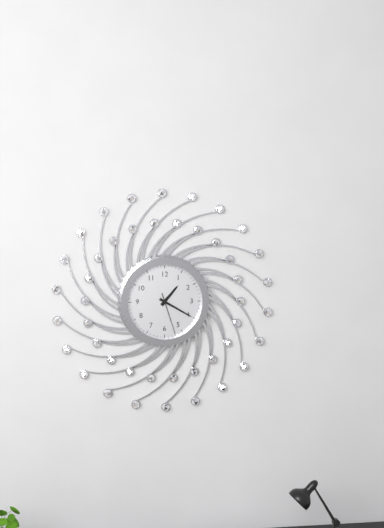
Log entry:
1 h 20 min
